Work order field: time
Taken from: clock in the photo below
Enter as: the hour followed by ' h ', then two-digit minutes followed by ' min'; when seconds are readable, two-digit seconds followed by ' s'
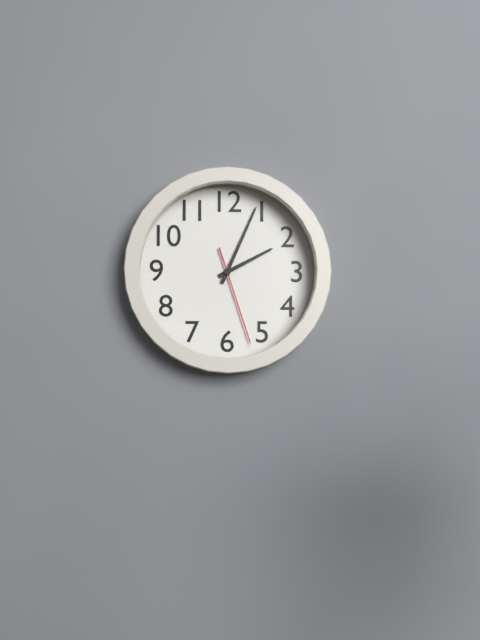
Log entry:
2 h 04 min 27 s
